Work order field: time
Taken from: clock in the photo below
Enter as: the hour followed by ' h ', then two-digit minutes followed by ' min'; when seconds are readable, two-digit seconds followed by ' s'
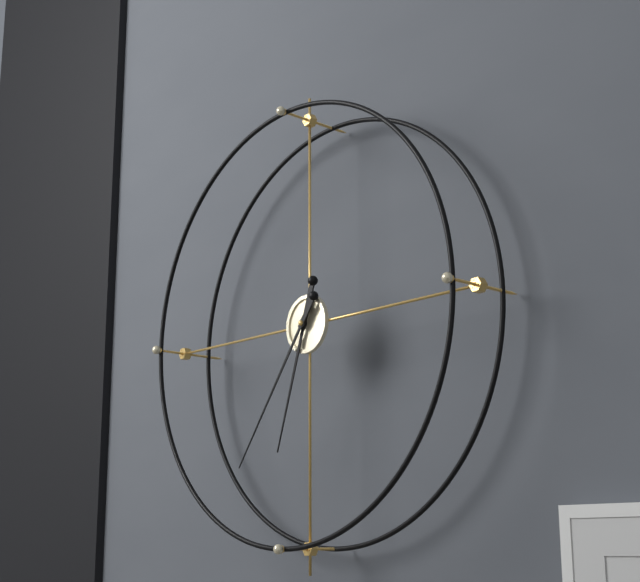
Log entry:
6 h 36 min
